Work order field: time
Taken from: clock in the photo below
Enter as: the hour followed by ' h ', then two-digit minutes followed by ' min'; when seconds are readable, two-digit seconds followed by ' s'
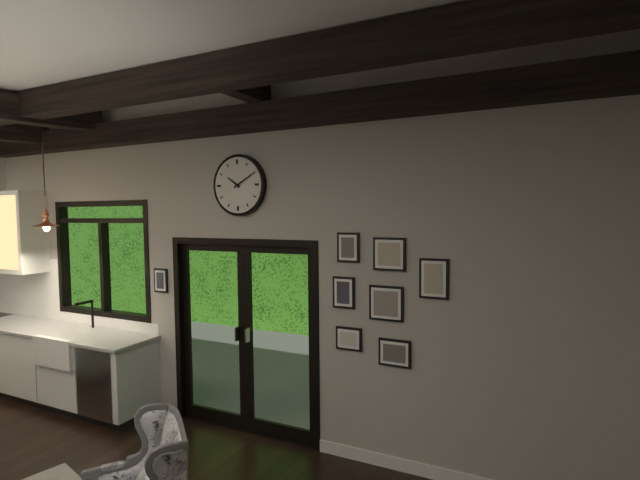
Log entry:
10 h 10 min
